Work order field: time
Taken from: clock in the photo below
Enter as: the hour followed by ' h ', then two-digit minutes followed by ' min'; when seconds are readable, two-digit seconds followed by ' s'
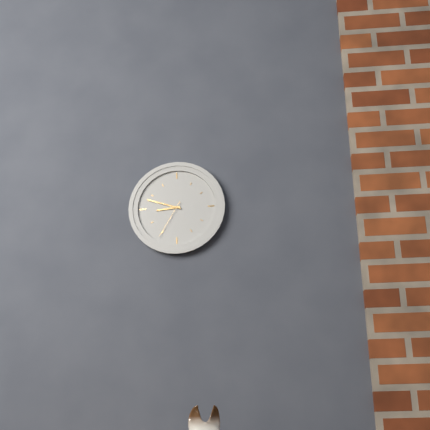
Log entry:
8 h 48 min
